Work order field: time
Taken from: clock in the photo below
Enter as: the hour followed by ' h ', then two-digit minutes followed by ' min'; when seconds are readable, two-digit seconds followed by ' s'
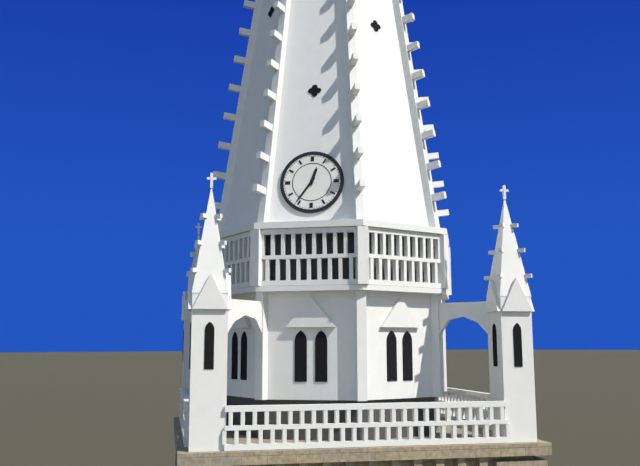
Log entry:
12 h 36 min
